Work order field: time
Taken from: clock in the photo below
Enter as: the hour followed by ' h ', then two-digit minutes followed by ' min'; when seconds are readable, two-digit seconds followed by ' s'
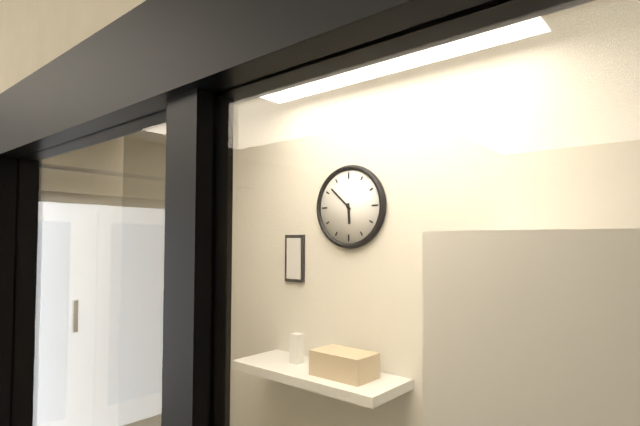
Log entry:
5 h 52 min
